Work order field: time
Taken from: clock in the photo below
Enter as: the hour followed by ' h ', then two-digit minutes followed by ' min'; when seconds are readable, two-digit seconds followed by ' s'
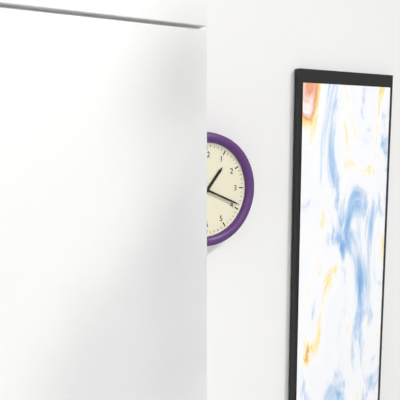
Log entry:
1 h 19 min
